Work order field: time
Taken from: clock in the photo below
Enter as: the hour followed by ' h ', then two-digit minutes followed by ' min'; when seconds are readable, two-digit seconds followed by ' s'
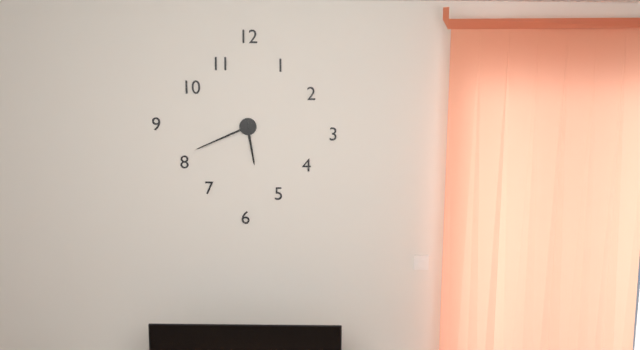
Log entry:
5 h 41 min
